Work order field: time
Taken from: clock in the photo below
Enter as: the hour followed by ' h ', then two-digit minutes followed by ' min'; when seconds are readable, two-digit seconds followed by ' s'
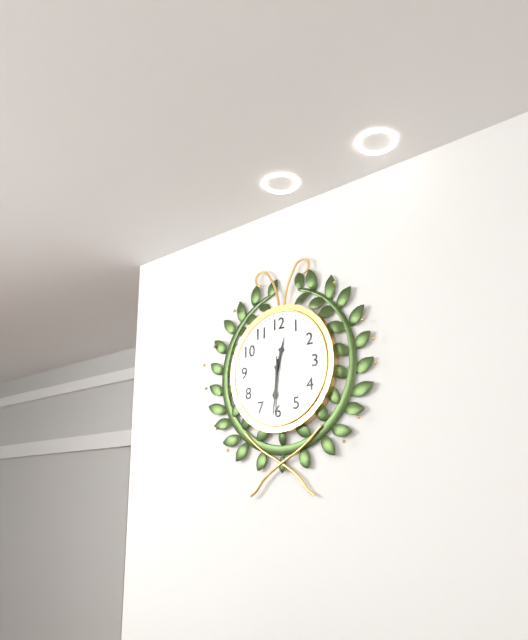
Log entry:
12 h 31 min 30 s
